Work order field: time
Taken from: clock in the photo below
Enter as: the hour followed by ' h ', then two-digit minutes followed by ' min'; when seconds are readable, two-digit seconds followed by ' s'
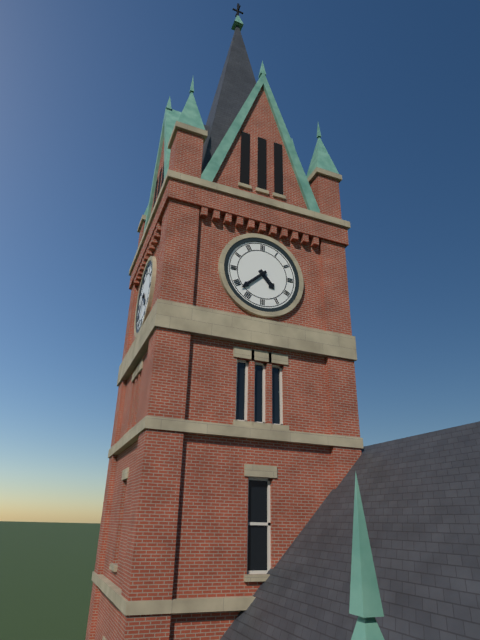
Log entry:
4 h 38 min
